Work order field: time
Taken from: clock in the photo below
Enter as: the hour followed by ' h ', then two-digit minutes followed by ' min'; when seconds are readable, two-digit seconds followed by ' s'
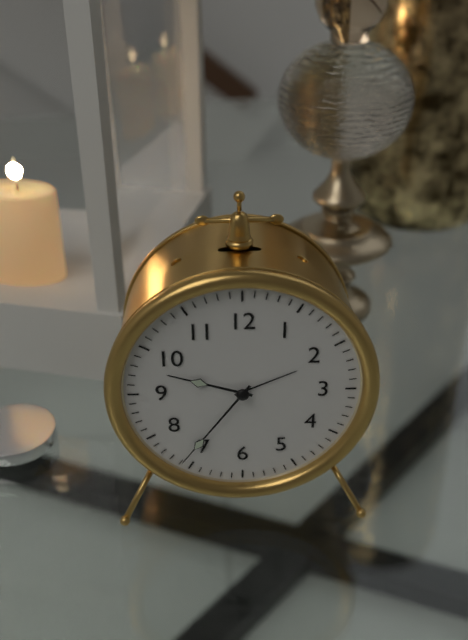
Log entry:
9 h 36 min
